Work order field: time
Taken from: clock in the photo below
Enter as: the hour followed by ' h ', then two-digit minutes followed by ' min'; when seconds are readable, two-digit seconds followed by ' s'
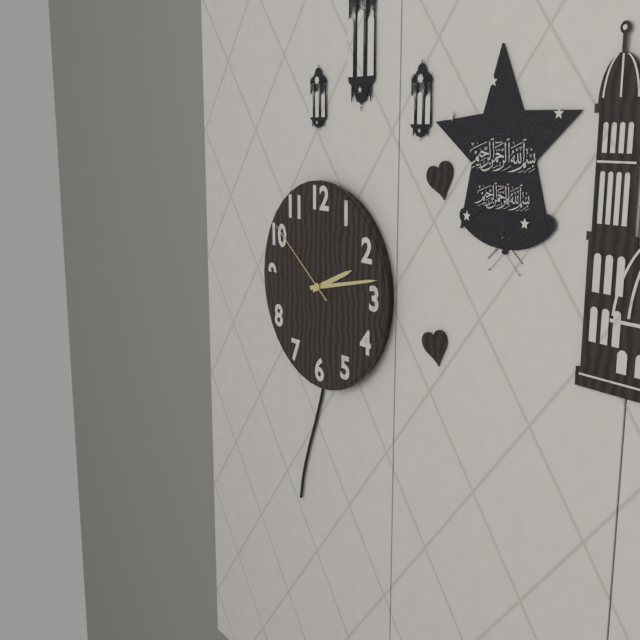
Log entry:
2 h 13 min 51 s
